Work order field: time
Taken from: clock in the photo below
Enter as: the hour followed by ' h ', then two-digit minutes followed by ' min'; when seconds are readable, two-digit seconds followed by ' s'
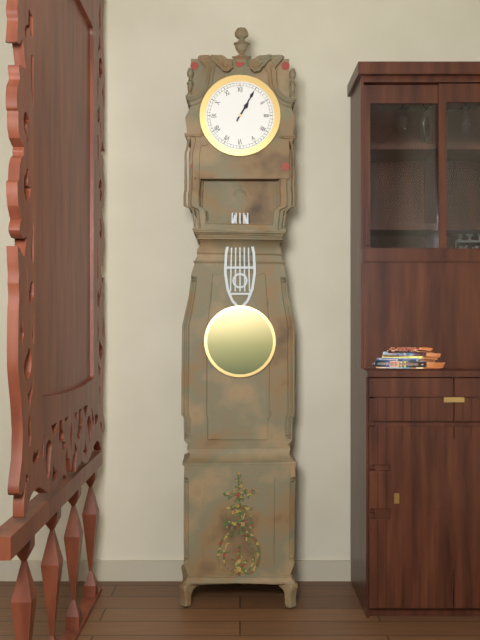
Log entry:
1 h 05 min
